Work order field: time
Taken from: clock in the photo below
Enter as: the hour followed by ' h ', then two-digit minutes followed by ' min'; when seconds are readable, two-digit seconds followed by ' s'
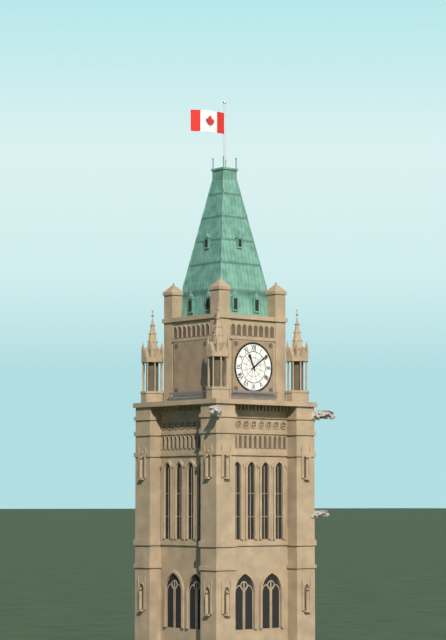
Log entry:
11 h 09 min
